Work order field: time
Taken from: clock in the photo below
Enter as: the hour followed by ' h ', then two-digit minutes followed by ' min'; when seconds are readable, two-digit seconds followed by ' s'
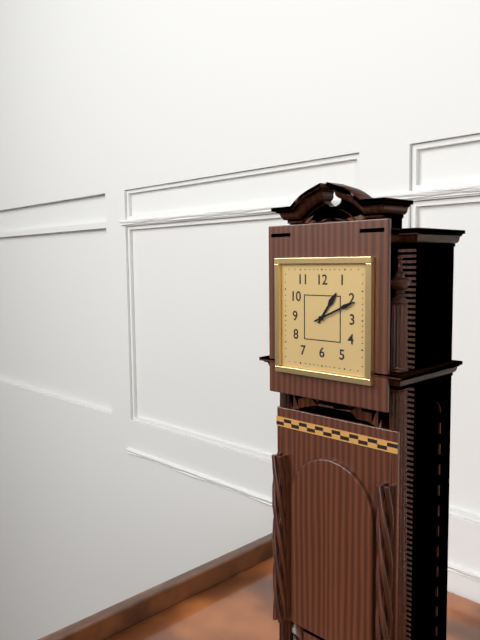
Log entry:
1 h 11 min
